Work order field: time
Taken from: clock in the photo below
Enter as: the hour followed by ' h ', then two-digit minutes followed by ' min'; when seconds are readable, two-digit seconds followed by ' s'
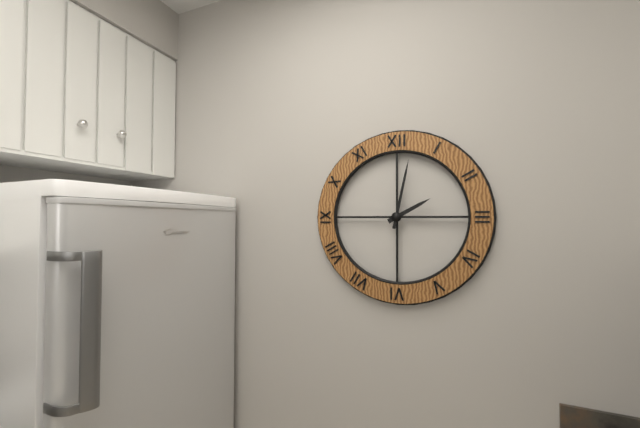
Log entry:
2 h 02 min
